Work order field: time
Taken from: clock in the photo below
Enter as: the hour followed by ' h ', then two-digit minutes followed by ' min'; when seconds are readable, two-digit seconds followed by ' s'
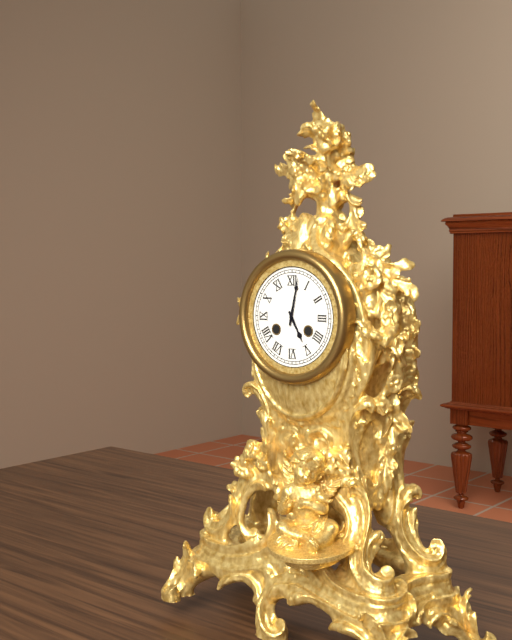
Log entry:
5 h 02 min
